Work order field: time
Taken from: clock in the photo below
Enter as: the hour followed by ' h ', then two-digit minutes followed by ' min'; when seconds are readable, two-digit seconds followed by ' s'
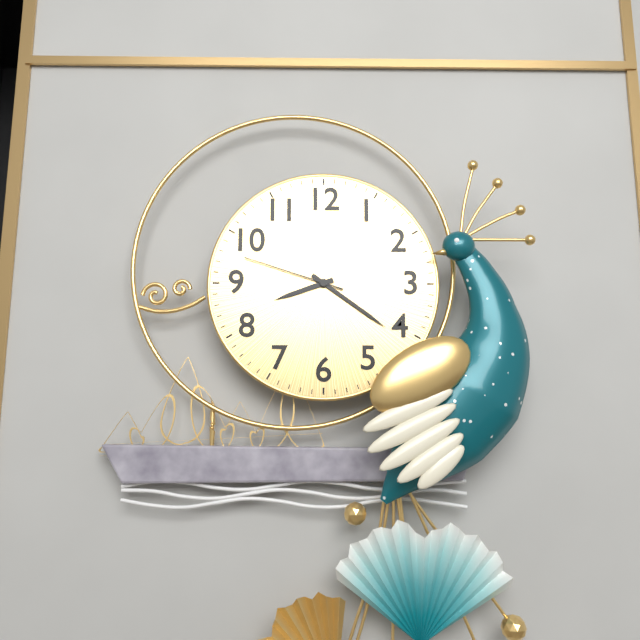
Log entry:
8 h 21 min 48 s
